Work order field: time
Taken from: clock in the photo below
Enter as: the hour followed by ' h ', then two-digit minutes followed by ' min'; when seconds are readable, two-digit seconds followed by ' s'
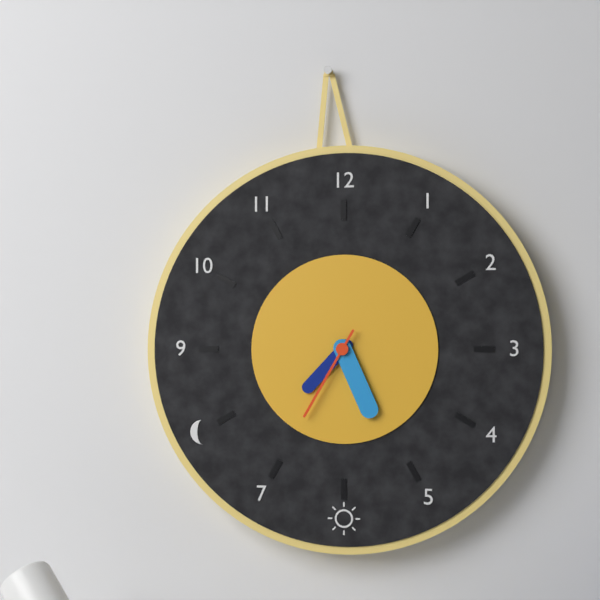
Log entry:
7 h 26 min 35 s
